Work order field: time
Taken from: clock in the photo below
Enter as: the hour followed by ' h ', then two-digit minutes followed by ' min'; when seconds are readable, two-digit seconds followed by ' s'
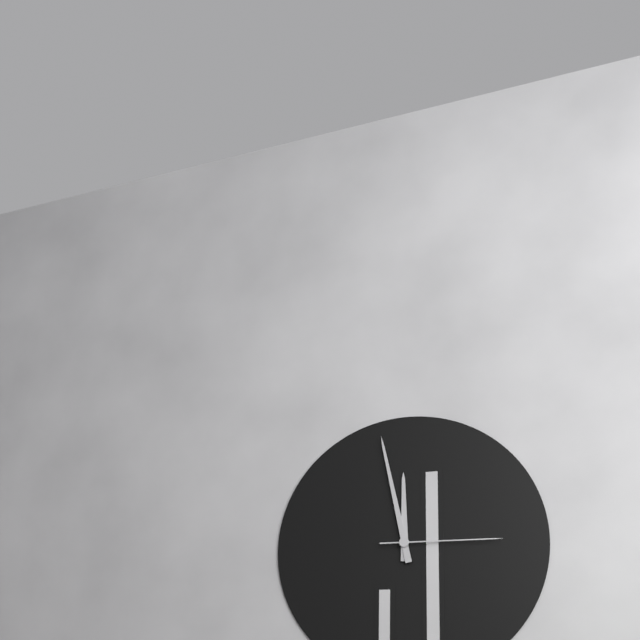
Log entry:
11 h 58 min 15 s
